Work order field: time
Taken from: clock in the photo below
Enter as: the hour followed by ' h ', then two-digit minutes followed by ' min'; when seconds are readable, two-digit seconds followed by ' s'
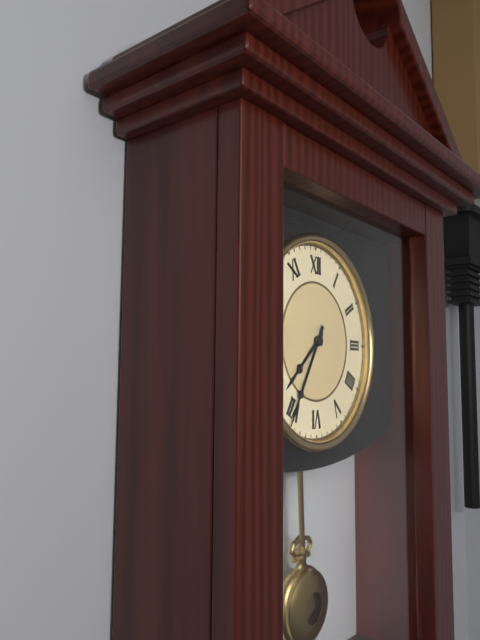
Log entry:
7 h 35 min
